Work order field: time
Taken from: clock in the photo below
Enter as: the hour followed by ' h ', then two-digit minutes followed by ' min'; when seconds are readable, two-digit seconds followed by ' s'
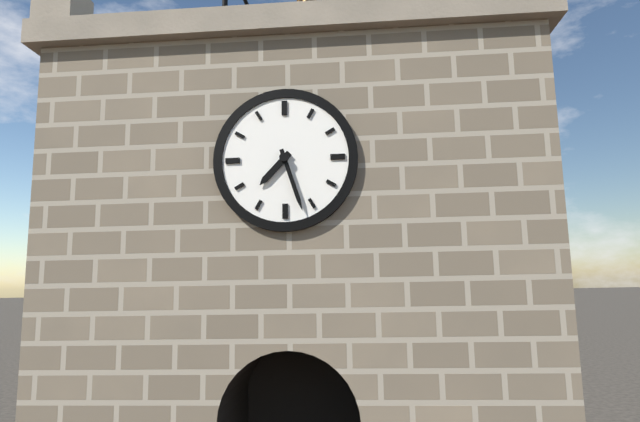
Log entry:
7 h 27 min
